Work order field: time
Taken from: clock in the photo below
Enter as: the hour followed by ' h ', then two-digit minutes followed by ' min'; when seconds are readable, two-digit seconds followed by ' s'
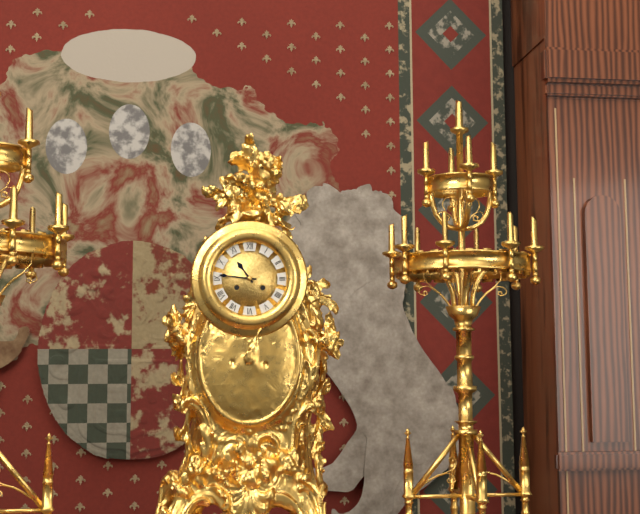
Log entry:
10 h 46 min
